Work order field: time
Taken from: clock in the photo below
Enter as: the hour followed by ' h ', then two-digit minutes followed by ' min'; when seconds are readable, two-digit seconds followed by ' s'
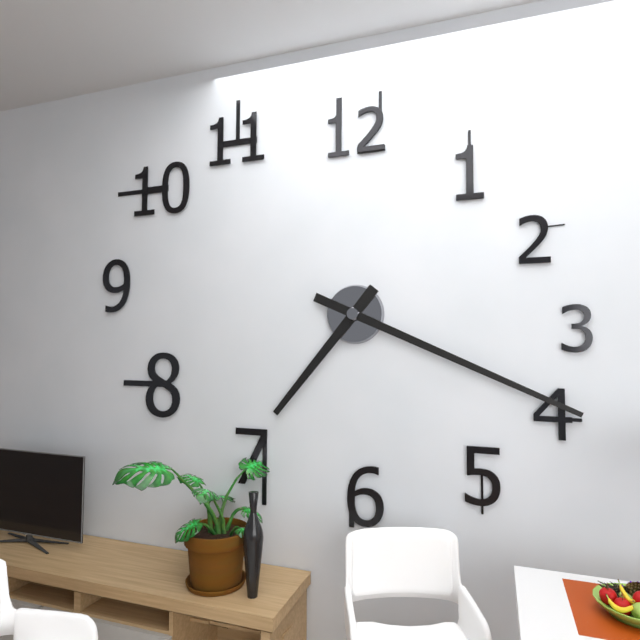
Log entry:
7 h 19 min
